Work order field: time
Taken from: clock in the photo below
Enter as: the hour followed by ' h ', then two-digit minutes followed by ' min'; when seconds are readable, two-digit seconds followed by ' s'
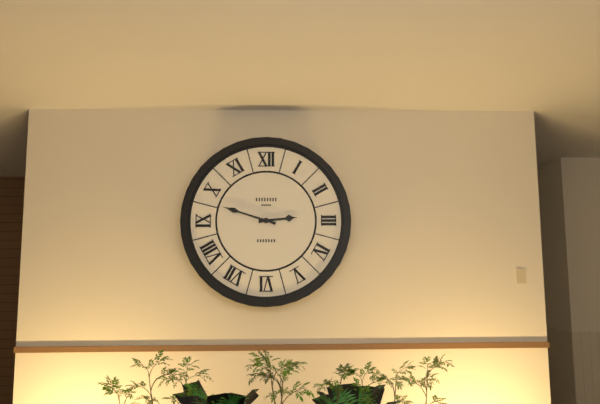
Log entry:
2 h 48 min
